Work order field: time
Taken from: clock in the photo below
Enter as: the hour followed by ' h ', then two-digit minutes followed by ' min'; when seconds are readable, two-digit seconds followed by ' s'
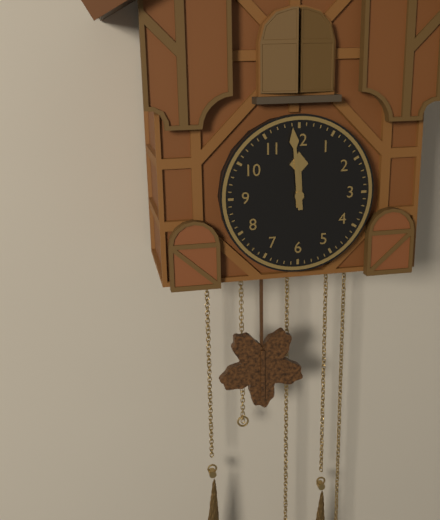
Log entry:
11 h 59 min
